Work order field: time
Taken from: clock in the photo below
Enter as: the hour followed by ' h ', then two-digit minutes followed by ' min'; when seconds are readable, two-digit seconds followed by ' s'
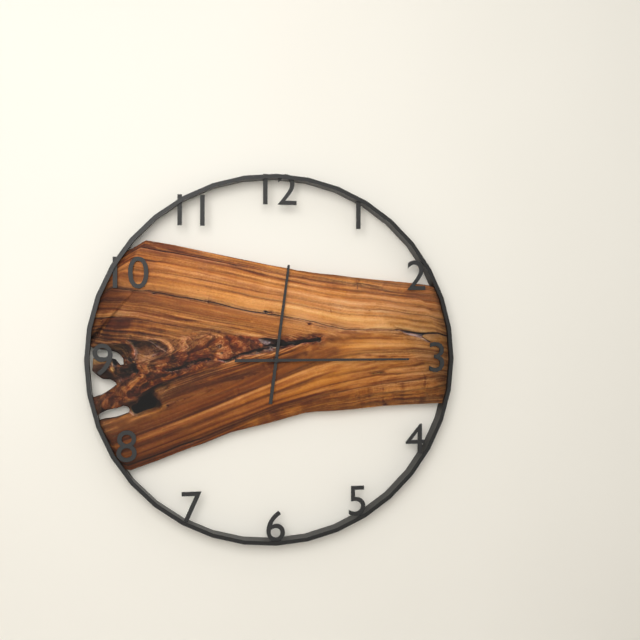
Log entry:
12 h 15 min
